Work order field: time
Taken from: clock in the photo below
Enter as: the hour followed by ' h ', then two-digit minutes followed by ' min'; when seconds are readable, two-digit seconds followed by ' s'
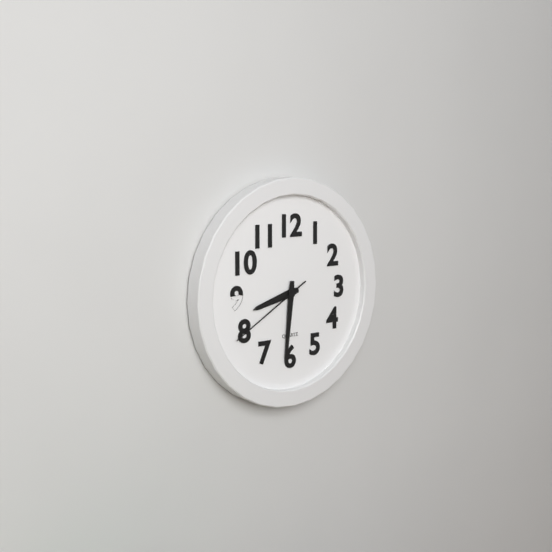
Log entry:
8 h 31 min 40 s
